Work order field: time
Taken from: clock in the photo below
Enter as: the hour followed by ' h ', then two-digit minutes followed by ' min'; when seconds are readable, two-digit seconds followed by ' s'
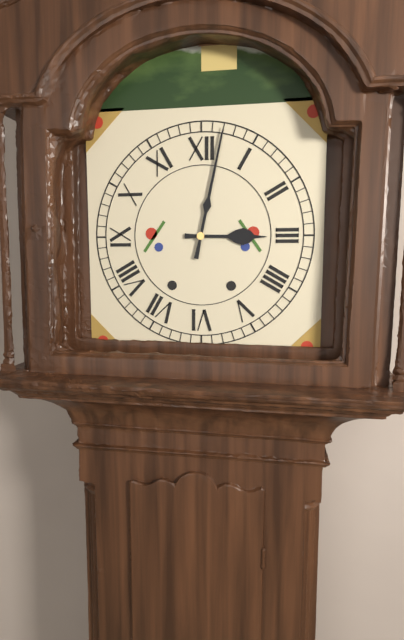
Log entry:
3 h 02 min
